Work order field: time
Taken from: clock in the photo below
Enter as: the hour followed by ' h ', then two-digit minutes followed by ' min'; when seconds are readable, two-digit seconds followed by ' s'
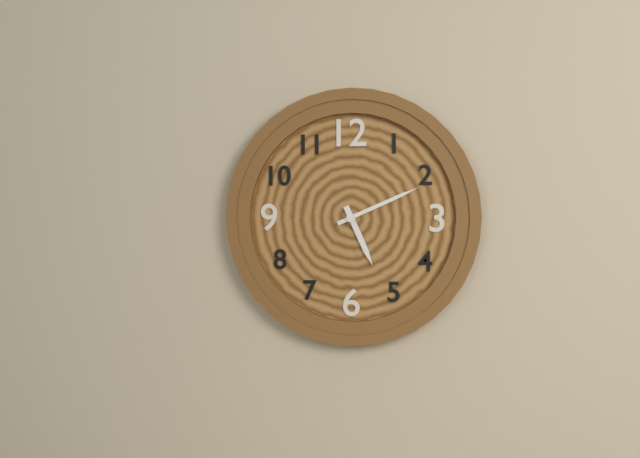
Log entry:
5 h 11 min
